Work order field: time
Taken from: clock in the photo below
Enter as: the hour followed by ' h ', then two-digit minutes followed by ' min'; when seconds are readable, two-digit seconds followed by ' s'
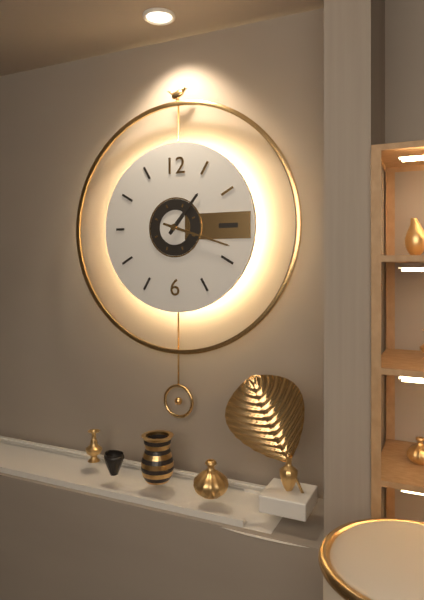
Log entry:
1 h 18 min
